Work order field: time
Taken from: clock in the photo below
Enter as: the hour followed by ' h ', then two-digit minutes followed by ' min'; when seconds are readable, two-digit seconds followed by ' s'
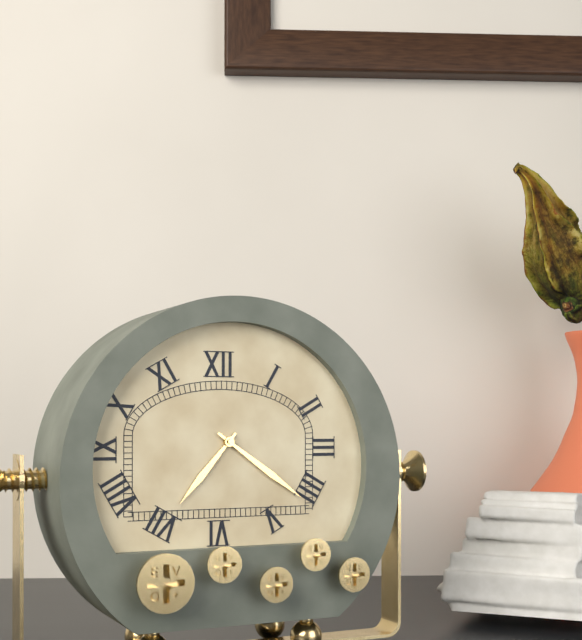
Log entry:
7 h 21 min
